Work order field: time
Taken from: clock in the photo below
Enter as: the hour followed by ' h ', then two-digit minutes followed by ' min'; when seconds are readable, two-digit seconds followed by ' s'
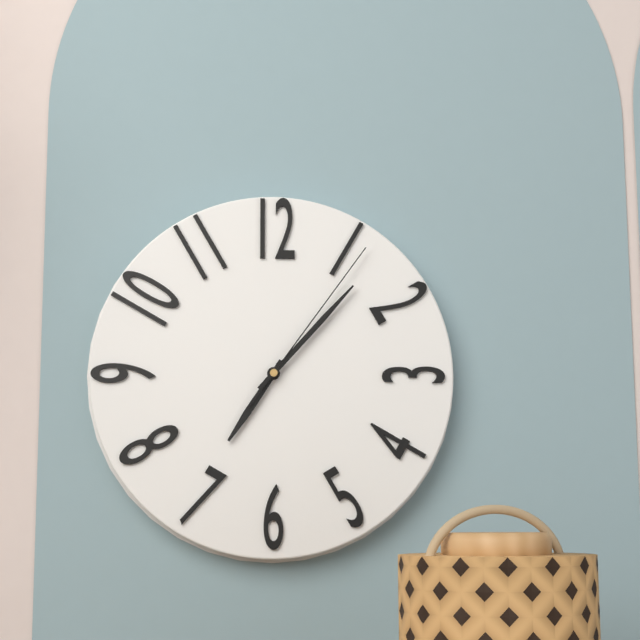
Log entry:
7 h 07 min 06 s
